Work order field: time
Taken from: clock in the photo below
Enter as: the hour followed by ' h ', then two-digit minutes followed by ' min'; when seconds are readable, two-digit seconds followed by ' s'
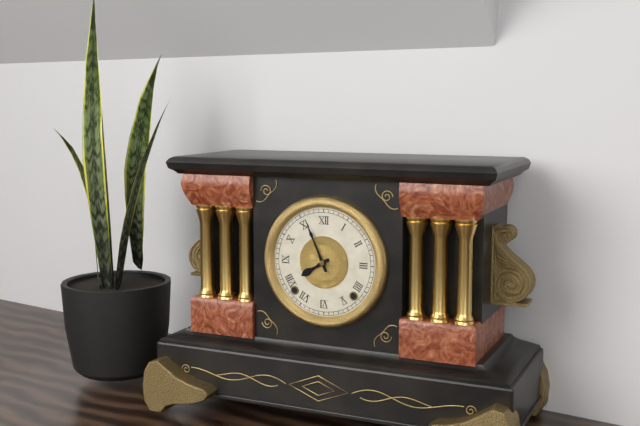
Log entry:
7 h 56 min
